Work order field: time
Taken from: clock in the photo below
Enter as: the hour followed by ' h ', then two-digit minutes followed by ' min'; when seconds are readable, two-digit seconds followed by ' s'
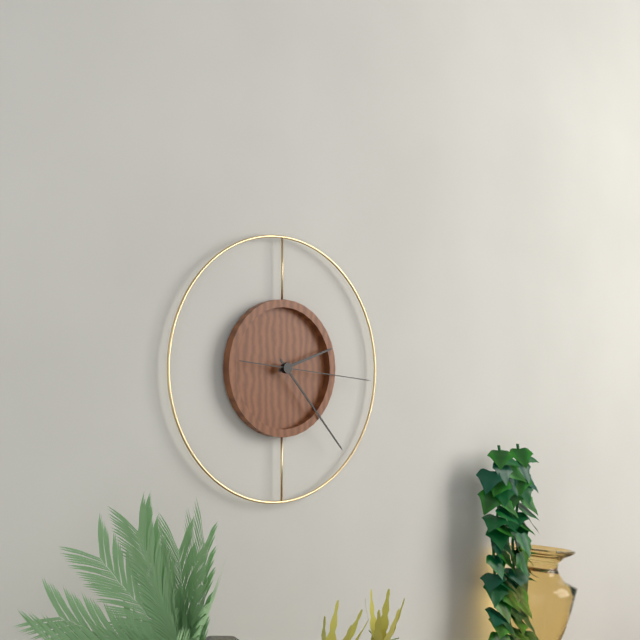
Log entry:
2 h 23 min 16 s
